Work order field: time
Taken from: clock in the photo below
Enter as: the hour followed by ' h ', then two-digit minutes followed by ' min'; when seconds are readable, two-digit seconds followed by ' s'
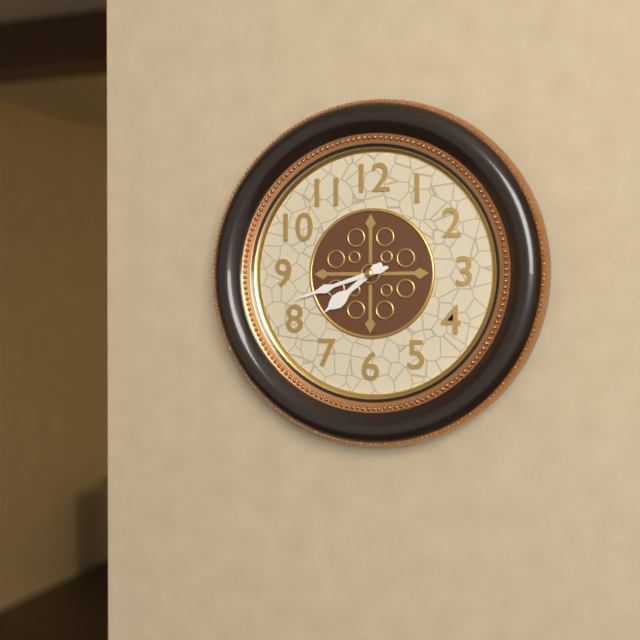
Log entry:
7 h 42 min
